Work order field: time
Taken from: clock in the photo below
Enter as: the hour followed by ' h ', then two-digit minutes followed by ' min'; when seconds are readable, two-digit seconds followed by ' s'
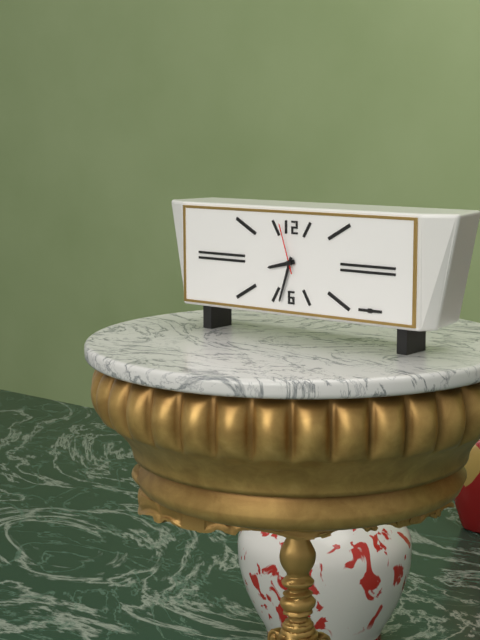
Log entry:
8 h 33 min 57 s
